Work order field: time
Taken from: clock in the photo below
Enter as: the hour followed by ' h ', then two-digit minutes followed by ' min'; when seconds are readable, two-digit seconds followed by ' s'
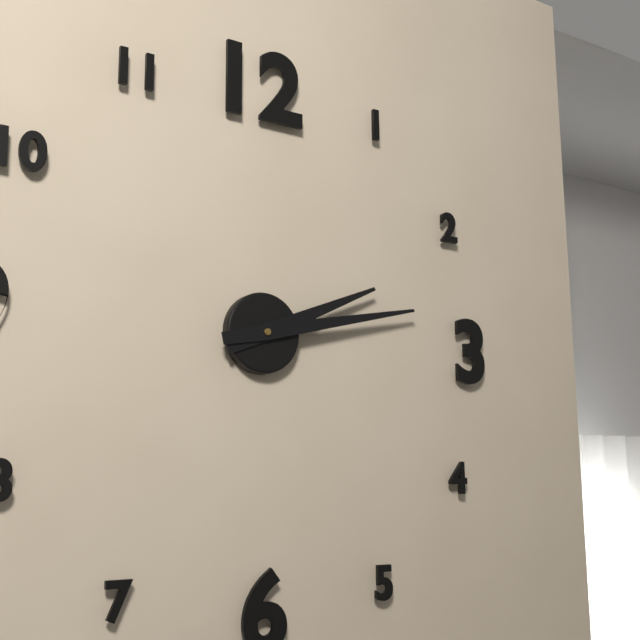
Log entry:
2 h 13 min
